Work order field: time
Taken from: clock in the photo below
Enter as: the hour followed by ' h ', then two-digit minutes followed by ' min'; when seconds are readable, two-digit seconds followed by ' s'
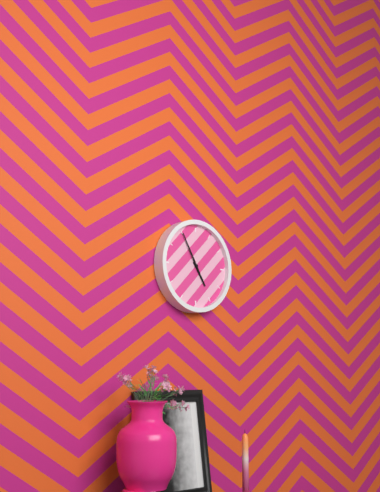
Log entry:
4 h 55 min
